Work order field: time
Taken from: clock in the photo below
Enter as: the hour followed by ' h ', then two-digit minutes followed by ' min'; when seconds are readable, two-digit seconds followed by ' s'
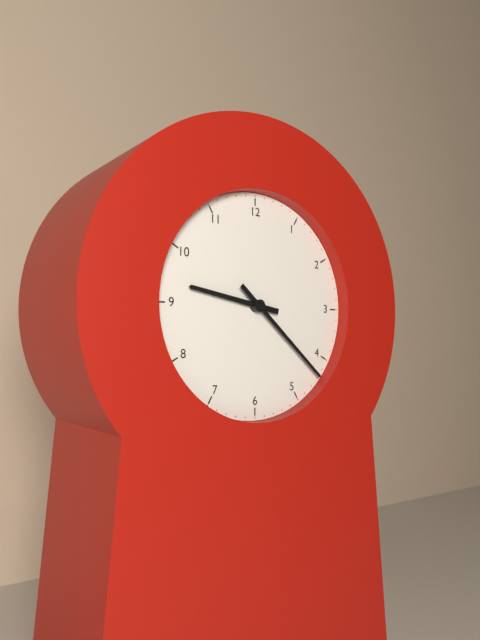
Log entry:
9 h 22 min
